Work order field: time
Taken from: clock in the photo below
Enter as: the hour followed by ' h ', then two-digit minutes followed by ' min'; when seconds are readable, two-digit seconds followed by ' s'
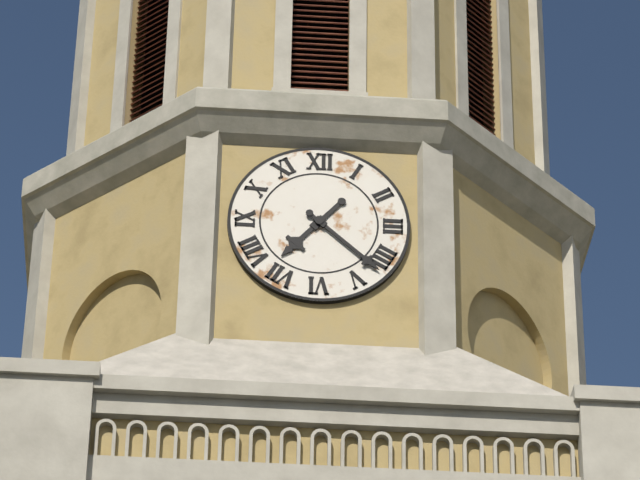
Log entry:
7 h 22 min
